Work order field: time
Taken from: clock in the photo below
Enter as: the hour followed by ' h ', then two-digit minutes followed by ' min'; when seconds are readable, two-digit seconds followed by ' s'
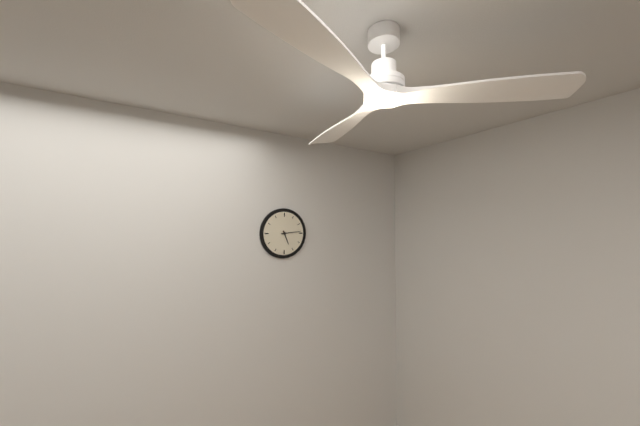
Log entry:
5 h 14 min
